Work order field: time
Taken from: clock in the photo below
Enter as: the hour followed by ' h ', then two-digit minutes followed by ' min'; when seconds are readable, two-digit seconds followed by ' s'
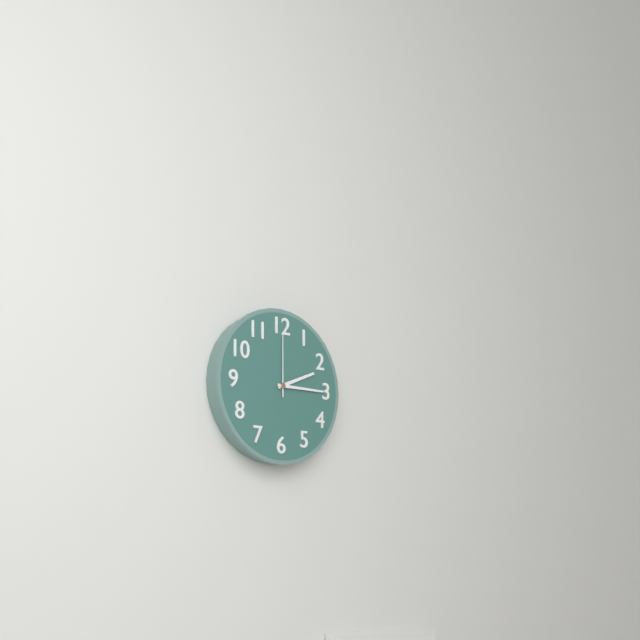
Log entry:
2 h 15 min 00 s
